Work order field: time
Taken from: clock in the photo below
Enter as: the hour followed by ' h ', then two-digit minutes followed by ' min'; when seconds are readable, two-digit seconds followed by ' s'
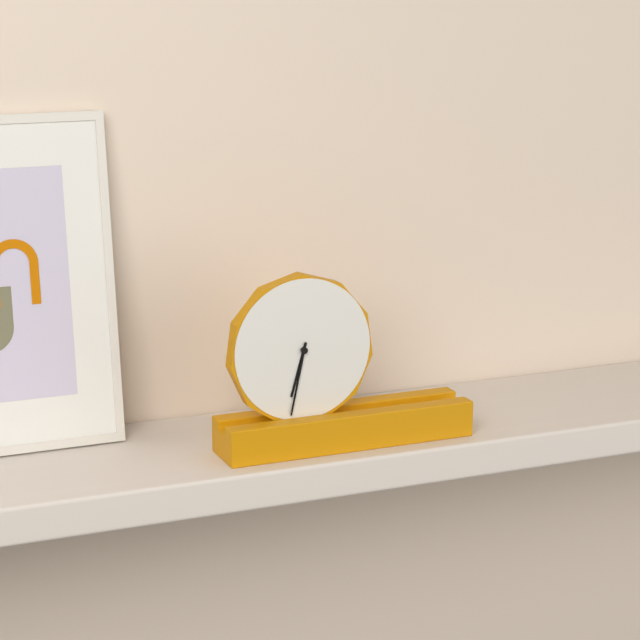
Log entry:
6 h 32 min
